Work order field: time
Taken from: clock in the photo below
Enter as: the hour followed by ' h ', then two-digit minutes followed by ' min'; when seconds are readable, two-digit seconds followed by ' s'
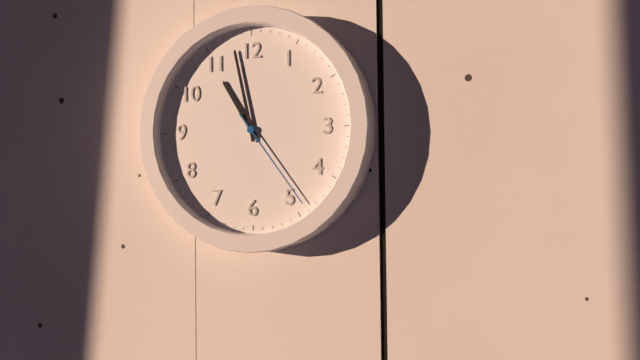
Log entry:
10 h 58 min 24 s
